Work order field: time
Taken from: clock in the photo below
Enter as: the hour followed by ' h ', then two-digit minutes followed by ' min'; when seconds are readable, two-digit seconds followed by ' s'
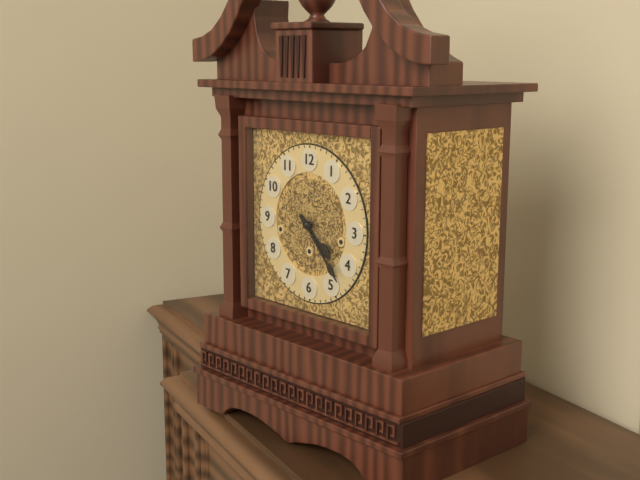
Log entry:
4 h 23 min
